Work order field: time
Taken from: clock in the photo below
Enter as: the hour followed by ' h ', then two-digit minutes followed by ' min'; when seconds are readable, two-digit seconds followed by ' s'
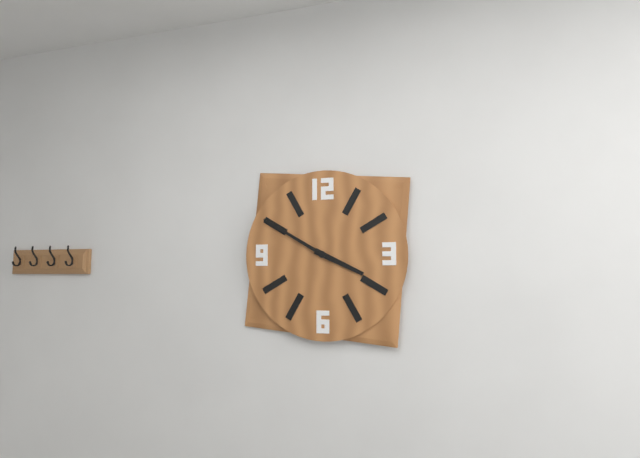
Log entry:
3 h 50 min
